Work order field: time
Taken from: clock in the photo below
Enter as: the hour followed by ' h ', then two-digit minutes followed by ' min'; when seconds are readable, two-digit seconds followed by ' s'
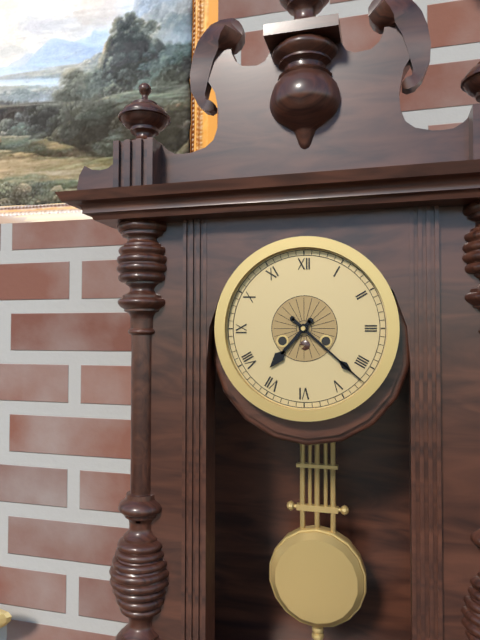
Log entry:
7 h 22 min
